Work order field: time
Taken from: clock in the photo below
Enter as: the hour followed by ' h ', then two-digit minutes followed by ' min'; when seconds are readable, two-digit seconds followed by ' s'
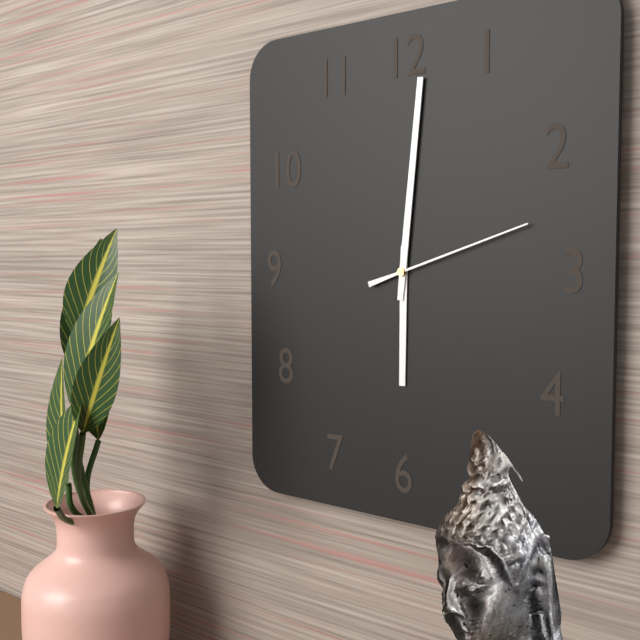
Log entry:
6 h 01 min 12 s
